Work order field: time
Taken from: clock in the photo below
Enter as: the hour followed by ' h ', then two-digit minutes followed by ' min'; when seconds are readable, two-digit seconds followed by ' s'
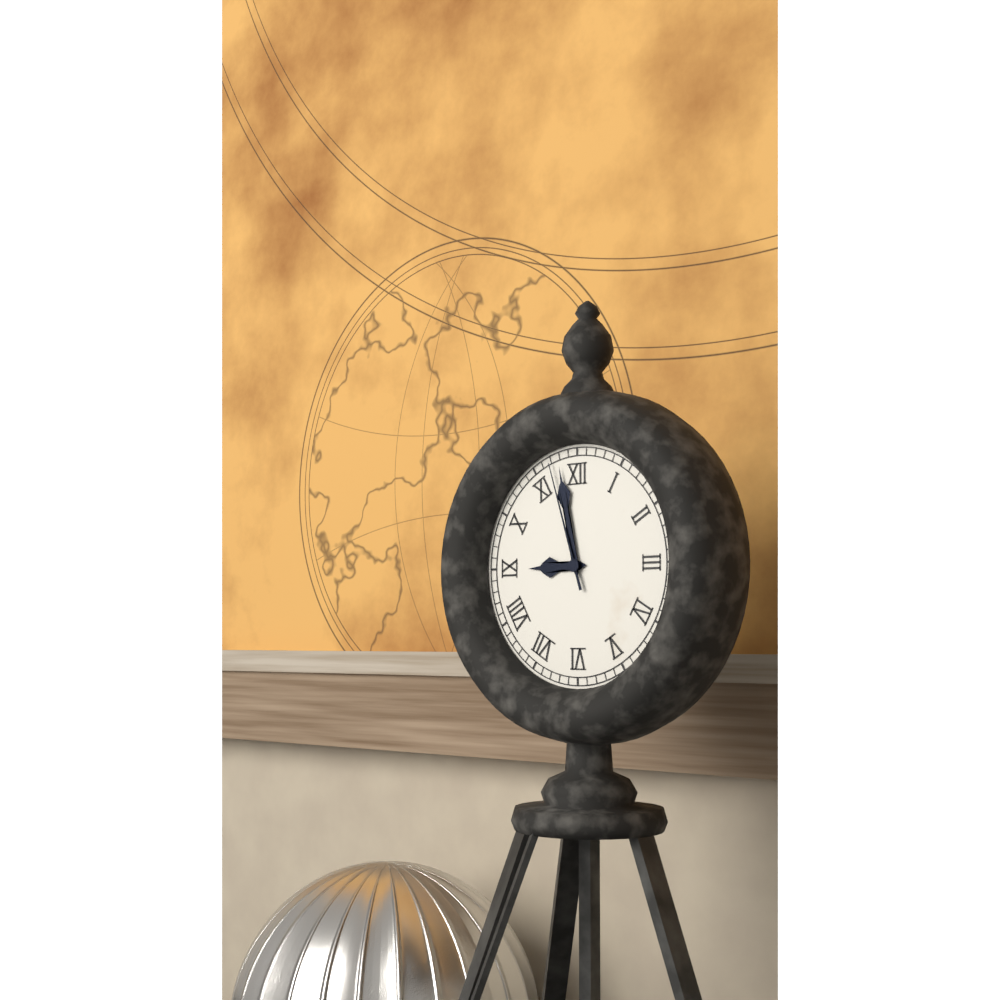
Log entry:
8 h 58 min 57 s
